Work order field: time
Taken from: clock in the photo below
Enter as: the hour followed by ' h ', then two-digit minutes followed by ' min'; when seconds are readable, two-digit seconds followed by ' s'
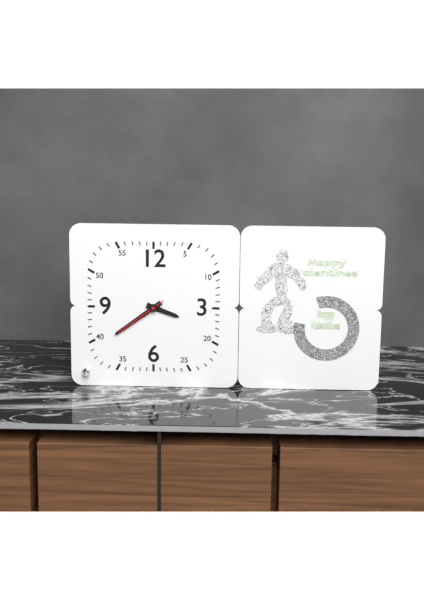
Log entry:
3 h 39 min 39 s
